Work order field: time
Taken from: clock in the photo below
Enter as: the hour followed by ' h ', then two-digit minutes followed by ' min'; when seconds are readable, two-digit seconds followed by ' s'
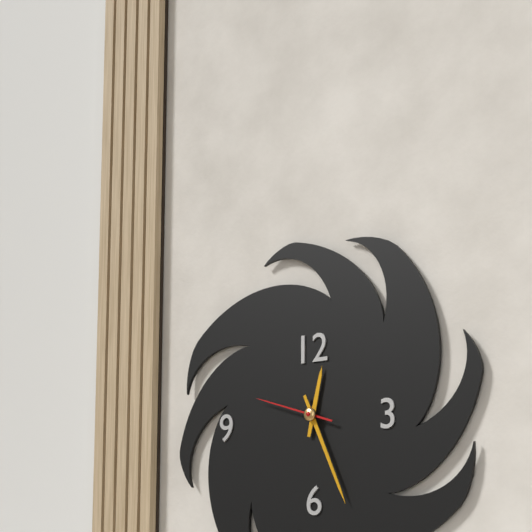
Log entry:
12 h 26 min 48 s
